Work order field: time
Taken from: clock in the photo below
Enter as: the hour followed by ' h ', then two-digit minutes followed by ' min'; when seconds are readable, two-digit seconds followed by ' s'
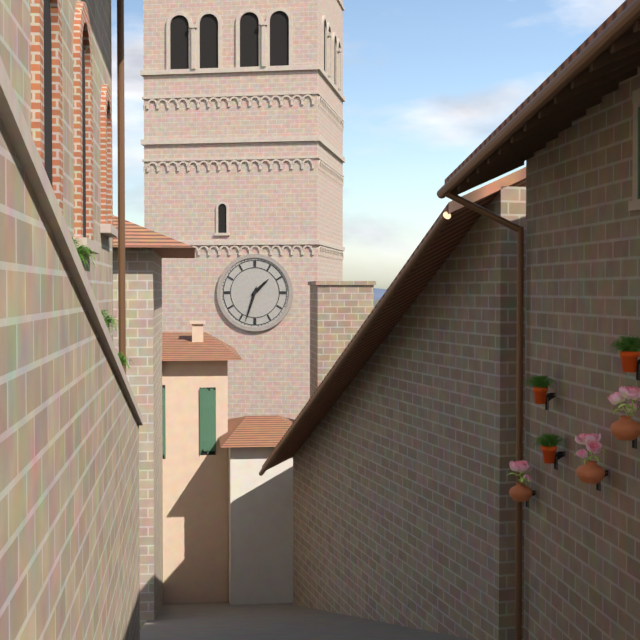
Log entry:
1 h 33 min
